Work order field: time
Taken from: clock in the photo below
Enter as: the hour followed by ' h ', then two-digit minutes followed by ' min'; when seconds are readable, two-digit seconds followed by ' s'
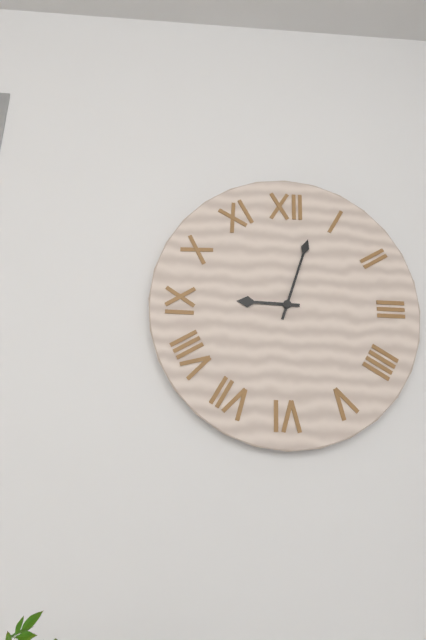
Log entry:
9 h 03 min
